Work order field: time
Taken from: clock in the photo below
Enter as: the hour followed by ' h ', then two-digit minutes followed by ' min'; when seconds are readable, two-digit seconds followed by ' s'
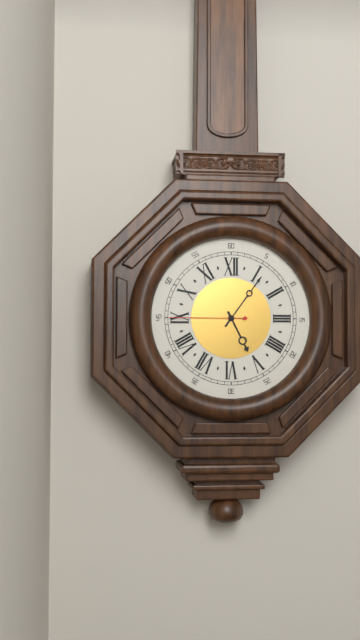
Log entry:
5 h 06 min 45 s
